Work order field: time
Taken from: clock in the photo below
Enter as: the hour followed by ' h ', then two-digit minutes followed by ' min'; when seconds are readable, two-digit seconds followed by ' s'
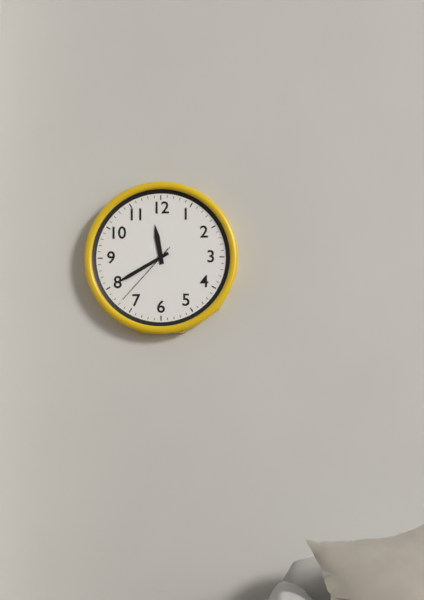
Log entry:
11 h 40 min 37 s
